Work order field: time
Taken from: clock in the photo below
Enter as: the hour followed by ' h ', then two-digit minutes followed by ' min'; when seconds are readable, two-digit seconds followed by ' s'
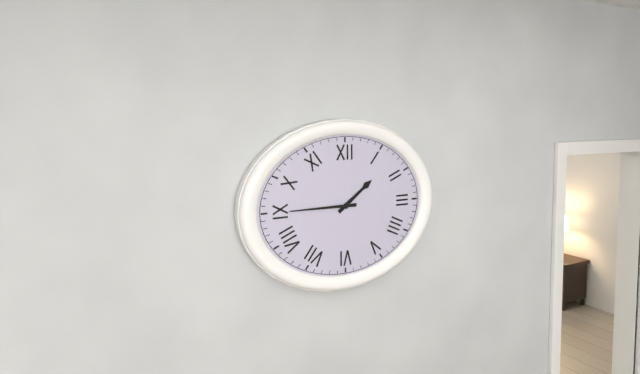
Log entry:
1 h 45 min
